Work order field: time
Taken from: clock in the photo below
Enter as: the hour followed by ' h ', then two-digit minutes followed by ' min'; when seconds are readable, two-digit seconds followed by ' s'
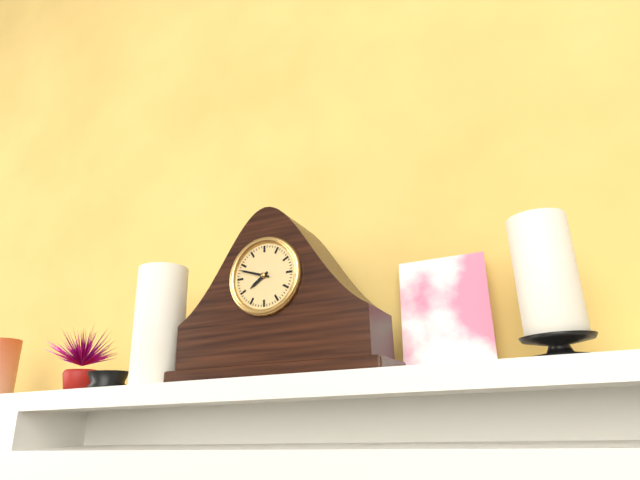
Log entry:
7 h 48 min
